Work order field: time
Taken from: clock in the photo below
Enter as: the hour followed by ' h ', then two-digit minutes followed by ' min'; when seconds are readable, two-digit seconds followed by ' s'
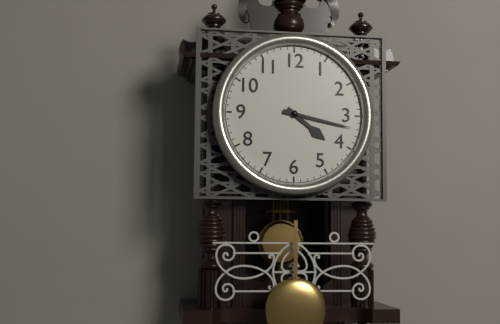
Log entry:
4 h 17 min
